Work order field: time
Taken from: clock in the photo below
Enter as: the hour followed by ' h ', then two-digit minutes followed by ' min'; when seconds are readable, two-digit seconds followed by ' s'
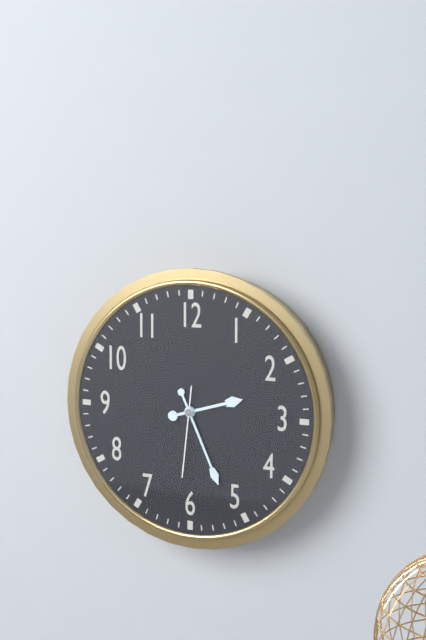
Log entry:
2 h 26 min 31 s
